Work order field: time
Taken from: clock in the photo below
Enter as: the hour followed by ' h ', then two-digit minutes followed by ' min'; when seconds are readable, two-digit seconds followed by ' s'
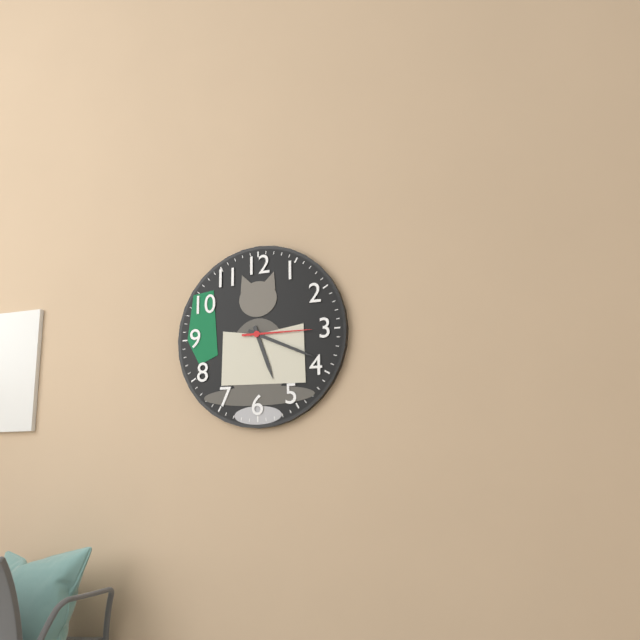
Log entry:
5 h 19 min 15 s
